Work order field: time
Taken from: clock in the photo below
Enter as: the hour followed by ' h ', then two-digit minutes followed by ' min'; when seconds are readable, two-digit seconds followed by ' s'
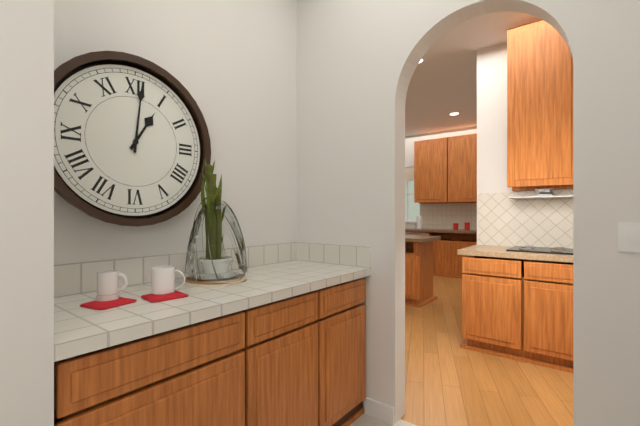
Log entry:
1 h 01 min
